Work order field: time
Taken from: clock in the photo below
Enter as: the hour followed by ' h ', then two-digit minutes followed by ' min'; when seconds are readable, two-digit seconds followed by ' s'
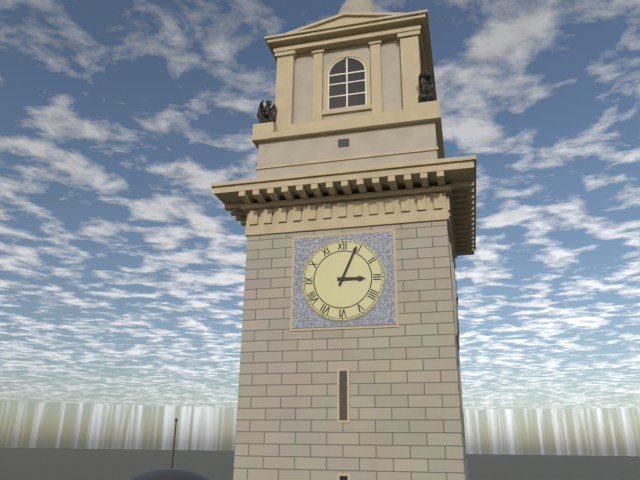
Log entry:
3 h 04 min
